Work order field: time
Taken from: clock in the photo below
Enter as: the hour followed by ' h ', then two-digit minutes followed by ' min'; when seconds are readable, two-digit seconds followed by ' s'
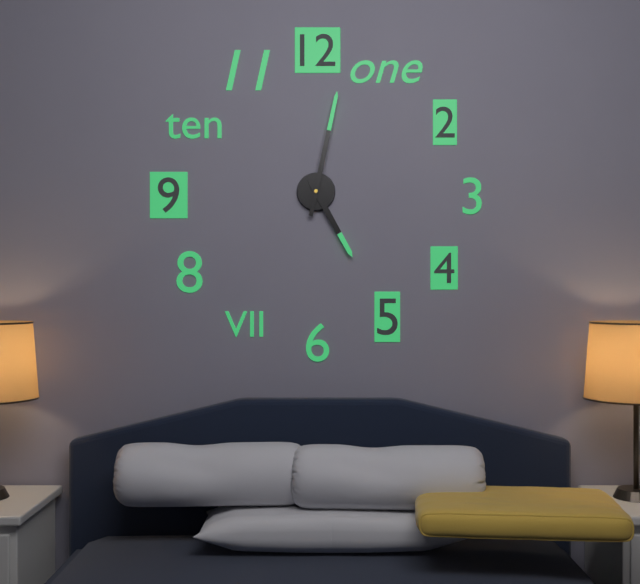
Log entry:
5 h 02 min
